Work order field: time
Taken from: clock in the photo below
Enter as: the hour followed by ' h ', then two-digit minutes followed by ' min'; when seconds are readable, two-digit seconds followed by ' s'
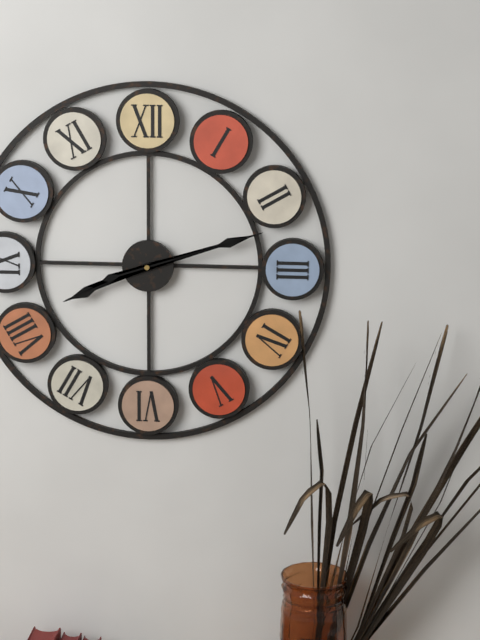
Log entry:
8 h 12 min
